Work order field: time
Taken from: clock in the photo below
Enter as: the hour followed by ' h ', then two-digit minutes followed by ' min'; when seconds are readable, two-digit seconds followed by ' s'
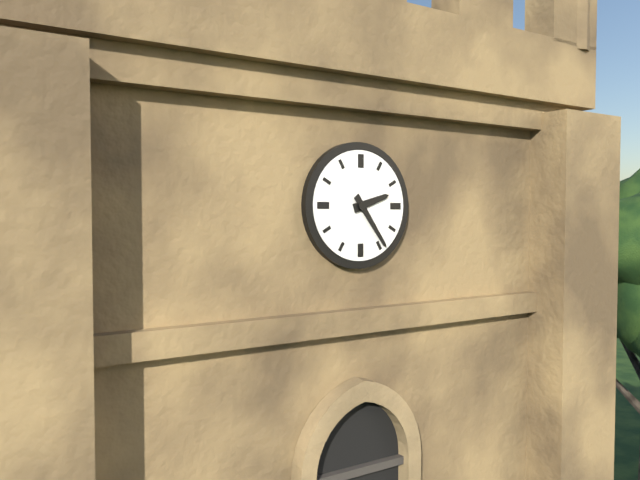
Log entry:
2 h 24 min
